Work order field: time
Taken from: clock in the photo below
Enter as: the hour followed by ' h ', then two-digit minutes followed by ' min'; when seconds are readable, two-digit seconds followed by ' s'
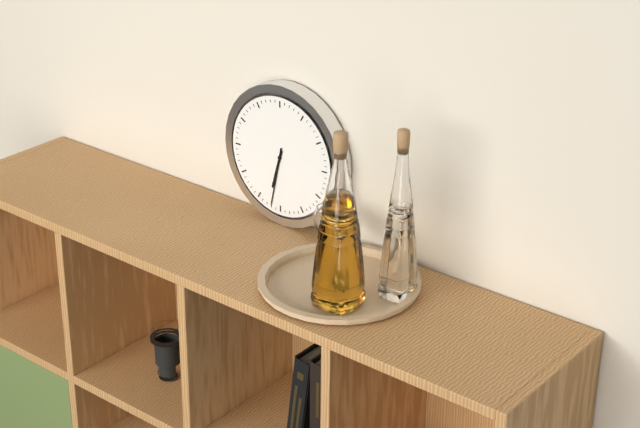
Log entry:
6 h 32 min
